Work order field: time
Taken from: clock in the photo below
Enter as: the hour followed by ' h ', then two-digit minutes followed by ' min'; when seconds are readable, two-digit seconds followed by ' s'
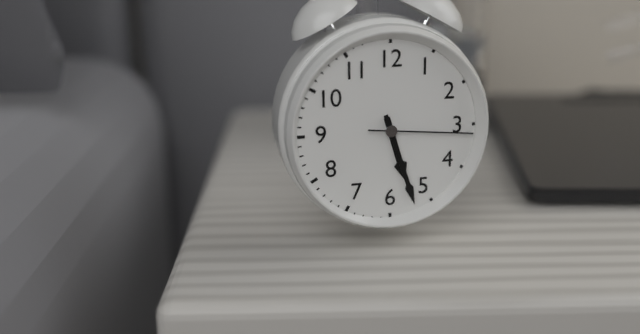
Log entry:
5 h 27 min 16 s
